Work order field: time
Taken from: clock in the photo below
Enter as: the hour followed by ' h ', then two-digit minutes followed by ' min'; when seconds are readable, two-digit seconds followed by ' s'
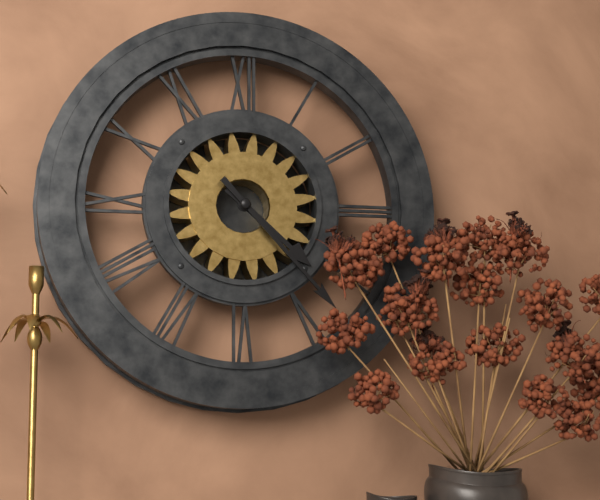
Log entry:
4 h 23 min
